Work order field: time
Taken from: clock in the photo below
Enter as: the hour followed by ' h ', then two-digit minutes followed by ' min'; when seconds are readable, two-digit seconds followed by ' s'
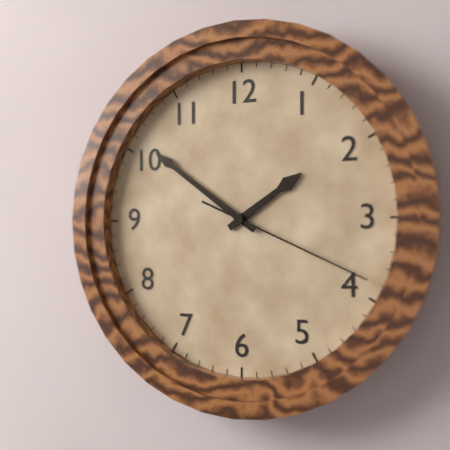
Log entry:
1 h 51 min 19 s
